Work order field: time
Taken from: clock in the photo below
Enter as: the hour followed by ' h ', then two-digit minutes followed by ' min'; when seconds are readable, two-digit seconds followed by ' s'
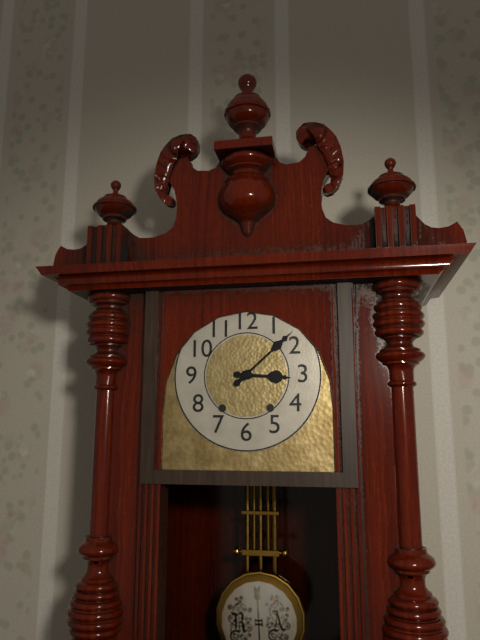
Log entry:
3 h 08 min
